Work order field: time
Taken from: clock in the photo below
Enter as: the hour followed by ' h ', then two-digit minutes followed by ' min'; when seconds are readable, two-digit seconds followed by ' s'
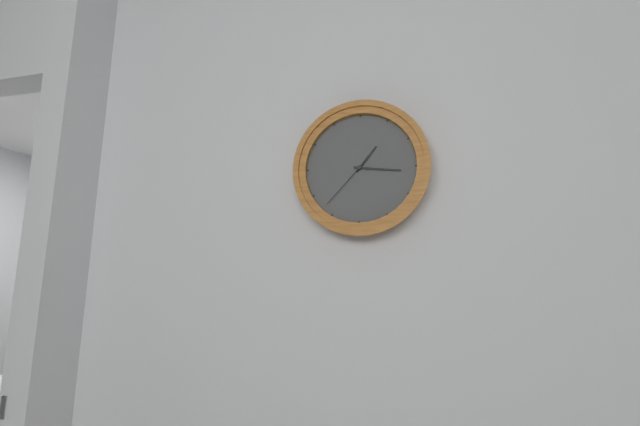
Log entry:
1 h 16 min 37 s
